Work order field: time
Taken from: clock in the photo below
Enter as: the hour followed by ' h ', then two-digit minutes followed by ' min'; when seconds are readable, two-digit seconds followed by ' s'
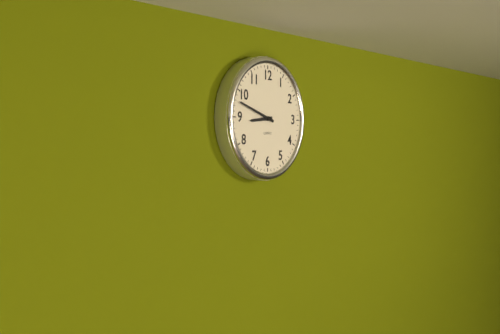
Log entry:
8 h 48 min
